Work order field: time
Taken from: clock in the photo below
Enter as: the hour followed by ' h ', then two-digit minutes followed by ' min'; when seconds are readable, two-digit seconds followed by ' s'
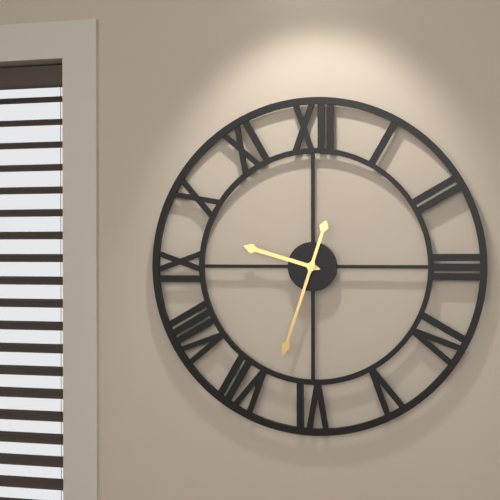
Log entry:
9 h 33 min
